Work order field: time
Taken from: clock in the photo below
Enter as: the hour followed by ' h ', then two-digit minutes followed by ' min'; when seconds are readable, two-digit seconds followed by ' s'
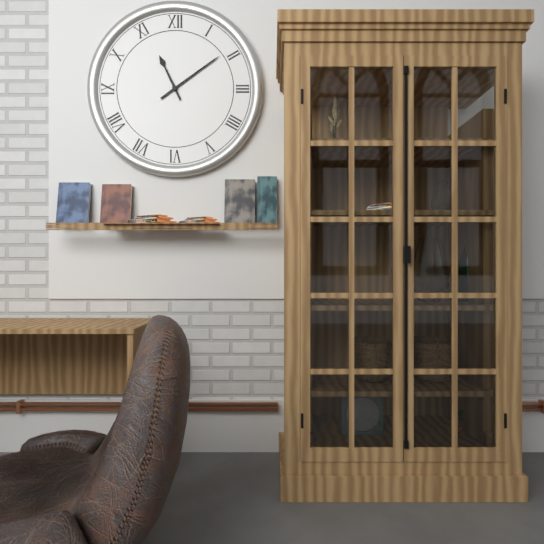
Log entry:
11 h 09 min
